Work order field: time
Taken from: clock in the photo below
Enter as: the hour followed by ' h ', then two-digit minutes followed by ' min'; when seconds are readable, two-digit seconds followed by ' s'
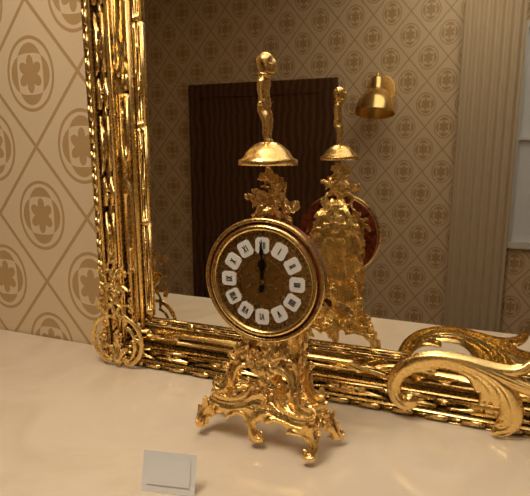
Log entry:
12 h 00 min
